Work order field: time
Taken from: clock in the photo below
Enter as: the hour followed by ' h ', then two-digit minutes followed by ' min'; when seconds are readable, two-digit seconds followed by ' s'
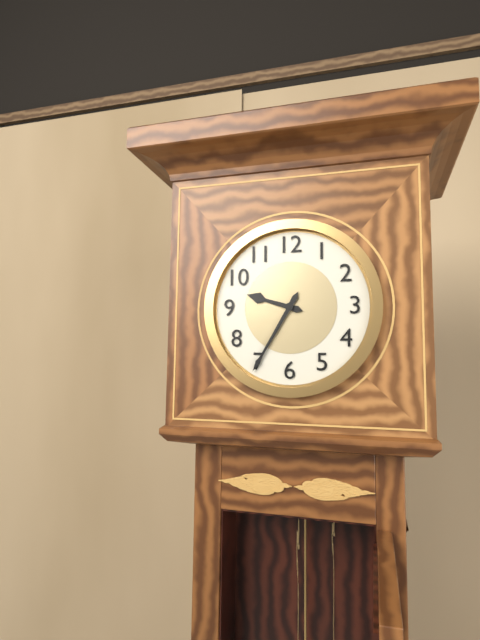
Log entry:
9 h 35 min
